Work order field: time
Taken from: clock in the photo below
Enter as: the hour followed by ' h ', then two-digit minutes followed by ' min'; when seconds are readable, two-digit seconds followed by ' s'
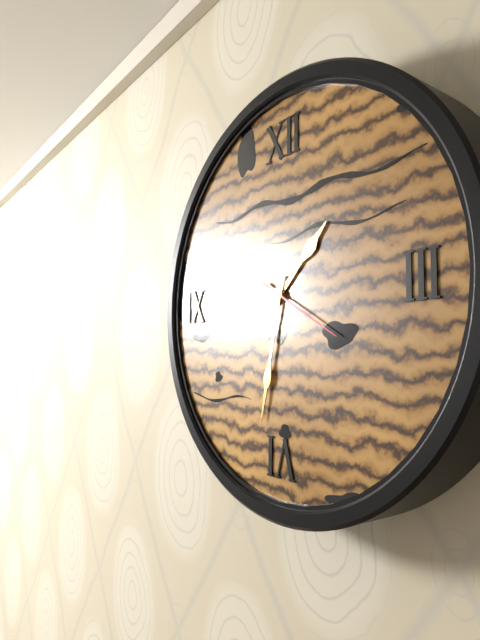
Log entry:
1 h 32 min 20 s
